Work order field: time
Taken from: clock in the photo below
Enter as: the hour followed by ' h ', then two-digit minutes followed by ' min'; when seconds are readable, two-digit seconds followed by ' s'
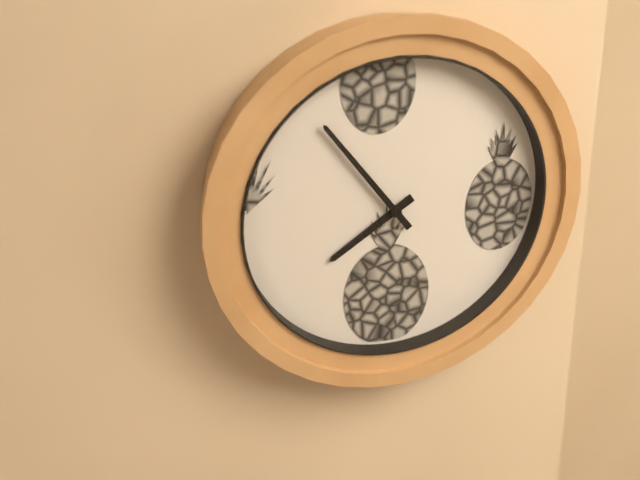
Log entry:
7 h 54 min
